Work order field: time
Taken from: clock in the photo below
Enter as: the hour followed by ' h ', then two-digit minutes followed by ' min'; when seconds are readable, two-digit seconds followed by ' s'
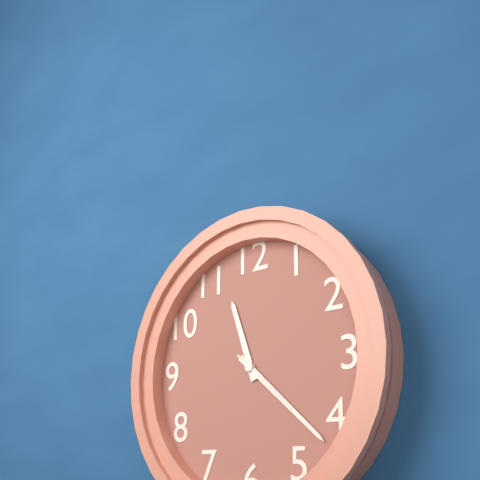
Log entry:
11 h 22 min 22 s
